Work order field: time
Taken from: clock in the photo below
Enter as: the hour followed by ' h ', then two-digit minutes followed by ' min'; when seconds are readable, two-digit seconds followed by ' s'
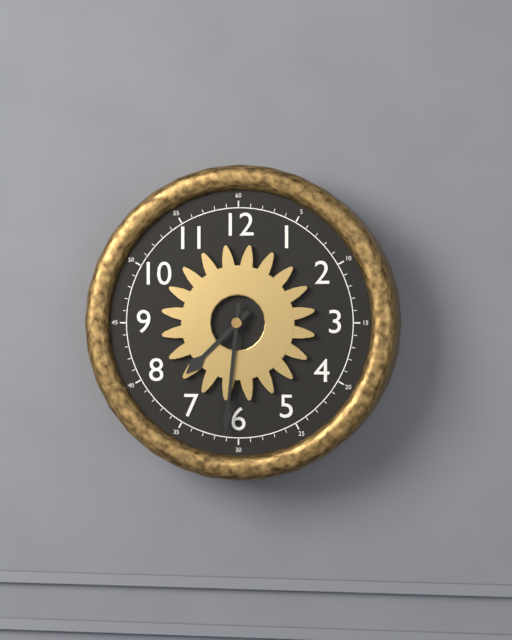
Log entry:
7 h 31 min
